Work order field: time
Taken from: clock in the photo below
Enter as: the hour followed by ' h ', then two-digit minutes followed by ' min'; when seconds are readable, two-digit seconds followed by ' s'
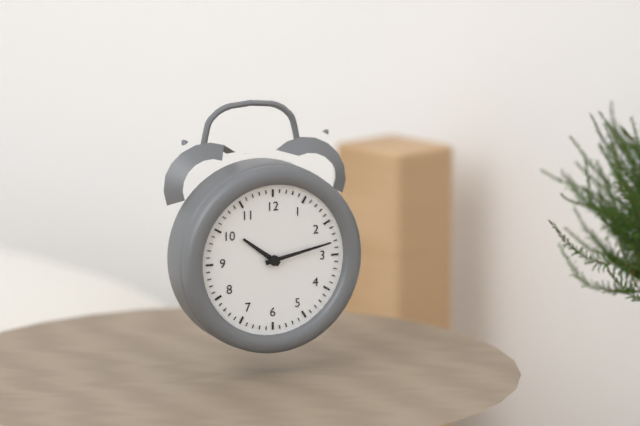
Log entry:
10 h 13 min
